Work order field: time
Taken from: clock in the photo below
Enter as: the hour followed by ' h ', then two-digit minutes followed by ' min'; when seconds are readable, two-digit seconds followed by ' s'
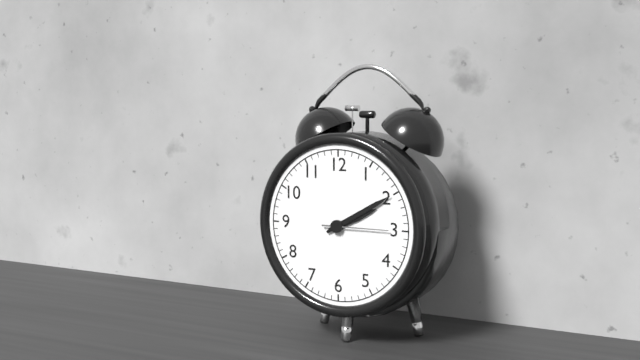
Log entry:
2 h 10 min 15 s
